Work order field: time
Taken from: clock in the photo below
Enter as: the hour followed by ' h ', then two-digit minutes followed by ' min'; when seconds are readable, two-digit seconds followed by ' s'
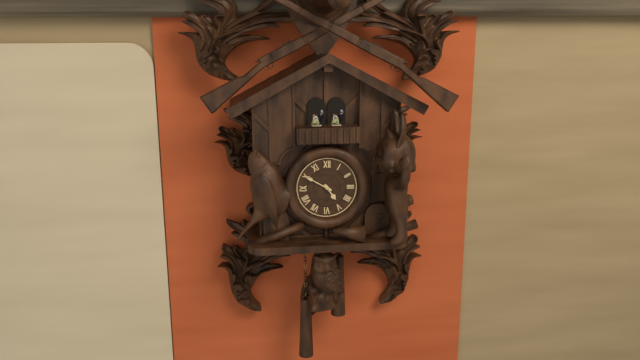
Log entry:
4 h 50 min
